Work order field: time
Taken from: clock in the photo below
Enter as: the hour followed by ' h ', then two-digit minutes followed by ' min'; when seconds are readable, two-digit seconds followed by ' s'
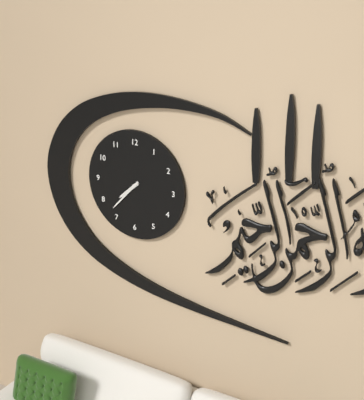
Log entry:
7 h 37 min
